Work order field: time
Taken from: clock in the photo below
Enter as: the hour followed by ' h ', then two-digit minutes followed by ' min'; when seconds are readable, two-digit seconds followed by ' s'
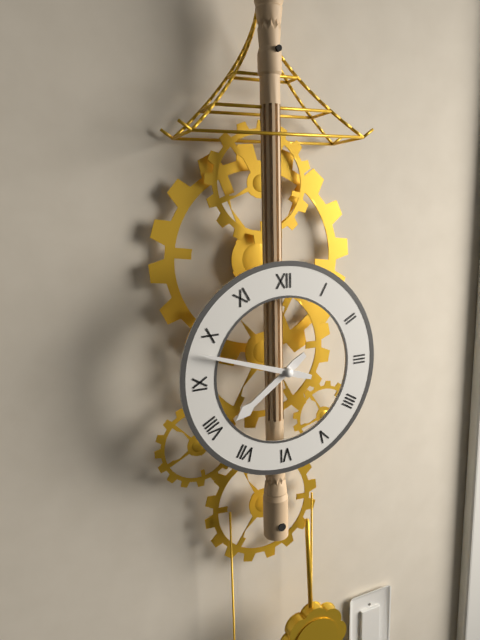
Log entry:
7 h 48 min
